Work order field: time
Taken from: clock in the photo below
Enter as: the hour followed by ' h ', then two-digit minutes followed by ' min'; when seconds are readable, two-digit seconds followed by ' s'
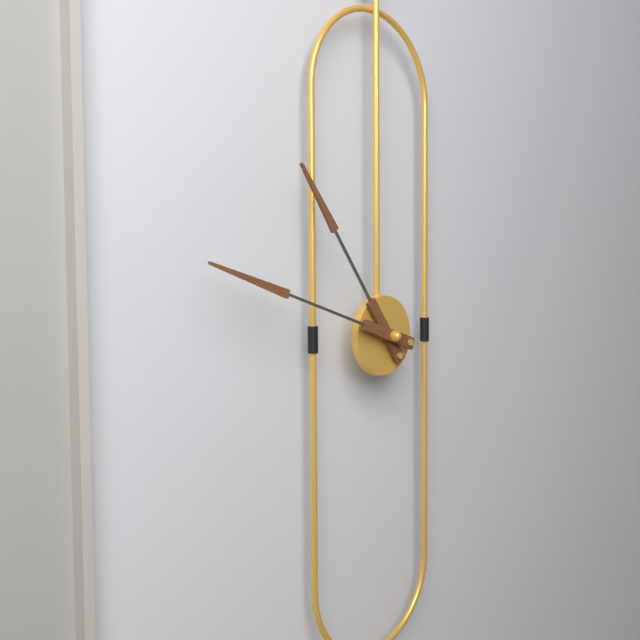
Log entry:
10 h 48 min
